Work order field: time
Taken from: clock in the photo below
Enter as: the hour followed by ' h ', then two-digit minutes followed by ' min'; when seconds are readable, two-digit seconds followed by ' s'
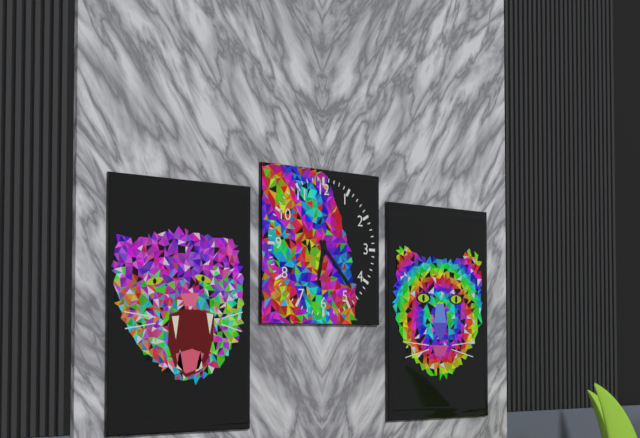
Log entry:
6 h 23 min
